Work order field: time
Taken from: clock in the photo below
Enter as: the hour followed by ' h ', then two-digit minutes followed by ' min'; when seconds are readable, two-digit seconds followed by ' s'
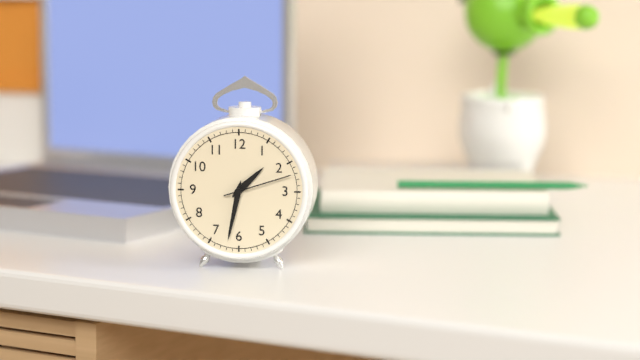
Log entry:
1 h 32 min 12 s
